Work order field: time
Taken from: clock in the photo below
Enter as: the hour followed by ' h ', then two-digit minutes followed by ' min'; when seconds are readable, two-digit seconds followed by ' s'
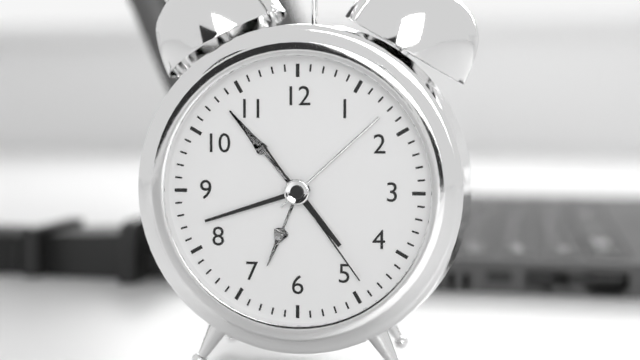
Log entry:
4 h 42 min 24 s
